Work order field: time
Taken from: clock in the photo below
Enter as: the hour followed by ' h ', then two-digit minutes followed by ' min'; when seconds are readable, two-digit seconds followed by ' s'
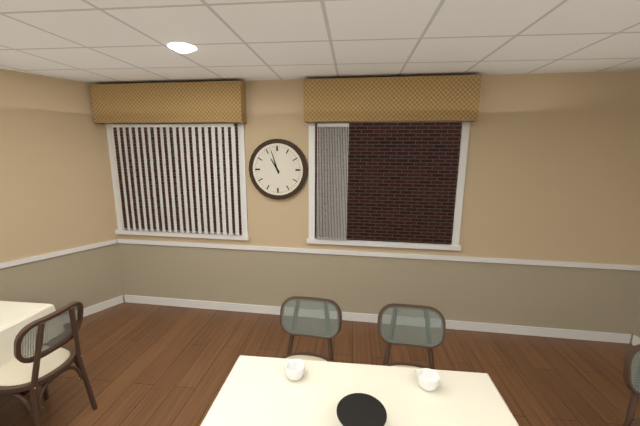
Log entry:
10 h 57 min
